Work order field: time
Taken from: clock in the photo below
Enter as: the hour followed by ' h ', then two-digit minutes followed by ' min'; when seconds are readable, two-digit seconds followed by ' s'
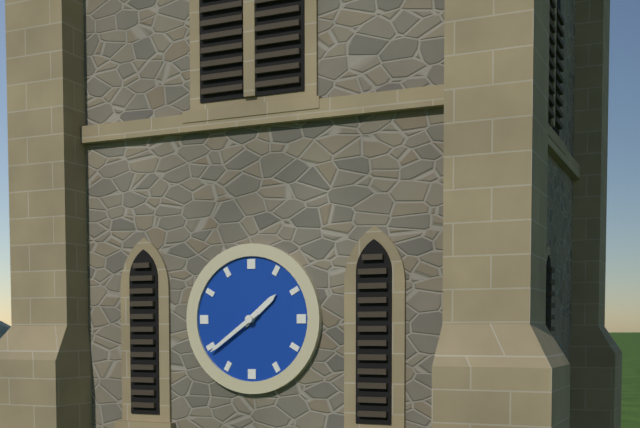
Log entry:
1 h 39 min
